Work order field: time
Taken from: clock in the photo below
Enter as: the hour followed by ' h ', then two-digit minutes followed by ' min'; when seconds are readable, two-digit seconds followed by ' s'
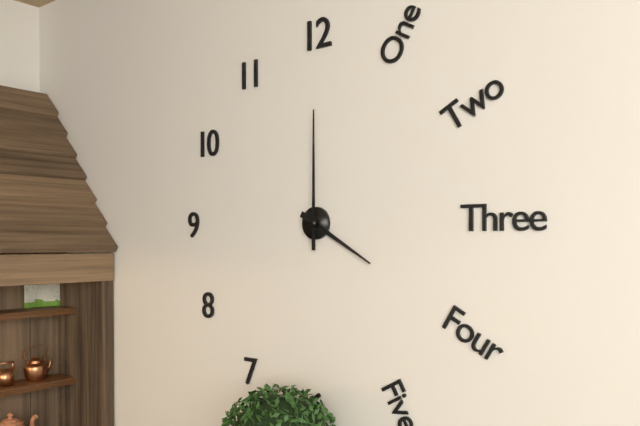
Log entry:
4 h 00 min
